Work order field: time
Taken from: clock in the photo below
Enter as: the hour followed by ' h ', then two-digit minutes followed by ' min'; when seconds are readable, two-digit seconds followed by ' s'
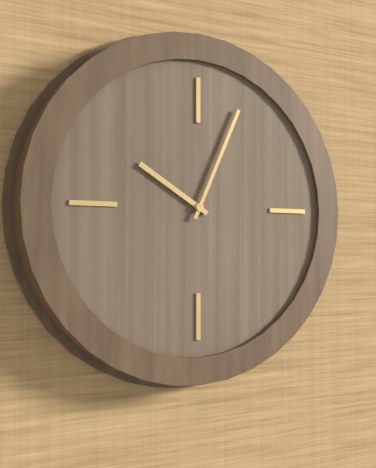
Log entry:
10 h 04 min
